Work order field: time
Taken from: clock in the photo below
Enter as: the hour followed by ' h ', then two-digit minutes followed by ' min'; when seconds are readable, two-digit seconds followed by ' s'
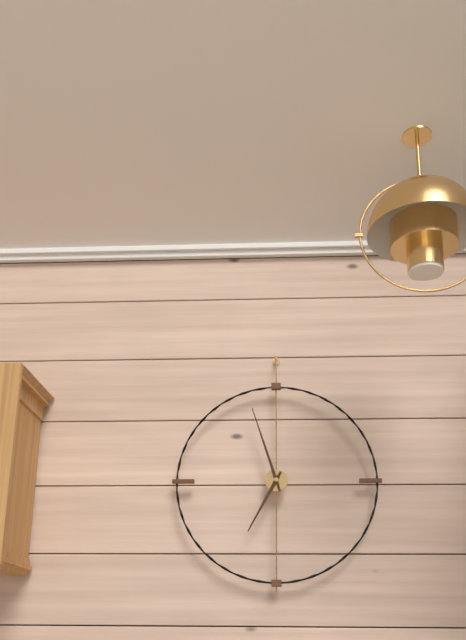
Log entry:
6 h 57 min
